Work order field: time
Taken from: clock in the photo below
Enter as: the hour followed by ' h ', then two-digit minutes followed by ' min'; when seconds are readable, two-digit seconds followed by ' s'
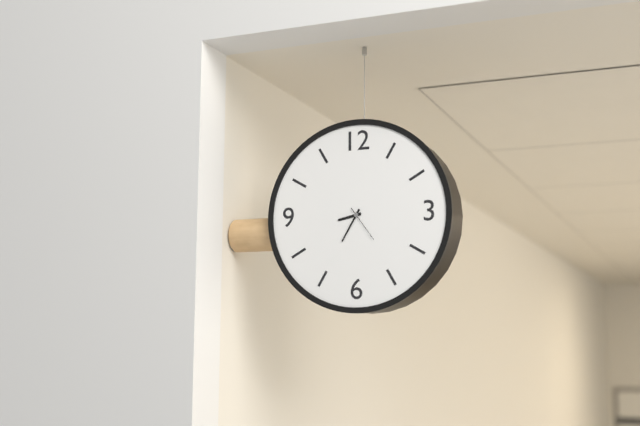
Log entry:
8 h 35 min
